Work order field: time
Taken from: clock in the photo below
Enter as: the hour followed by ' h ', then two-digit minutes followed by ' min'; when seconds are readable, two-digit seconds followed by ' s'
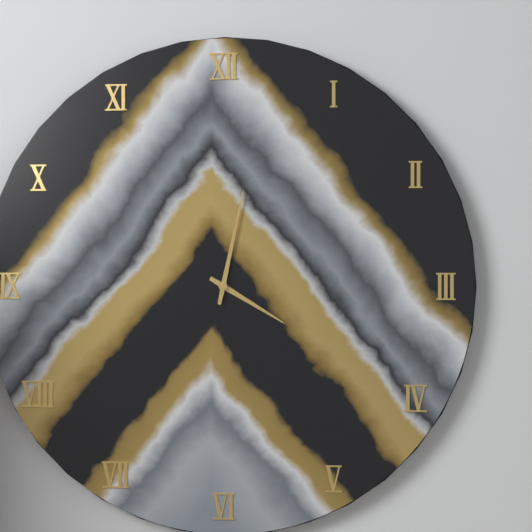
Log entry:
4 h 02 min
